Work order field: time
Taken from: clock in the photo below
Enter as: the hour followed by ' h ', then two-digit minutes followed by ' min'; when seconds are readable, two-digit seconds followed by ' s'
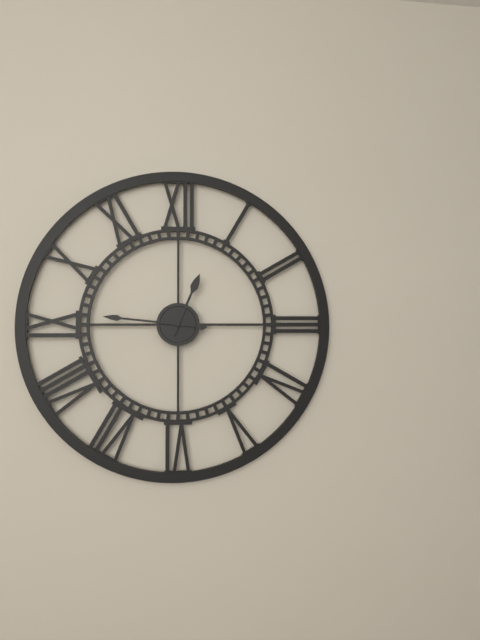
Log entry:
12 h 46 min
